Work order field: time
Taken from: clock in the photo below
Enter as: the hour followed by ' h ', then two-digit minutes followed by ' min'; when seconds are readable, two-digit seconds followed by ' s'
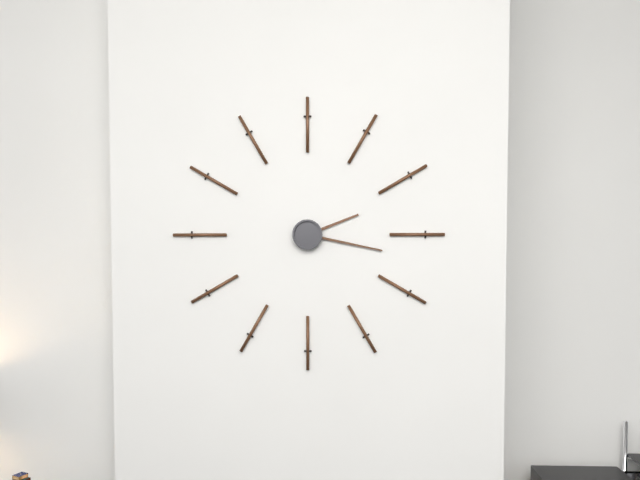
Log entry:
2 h 17 min
